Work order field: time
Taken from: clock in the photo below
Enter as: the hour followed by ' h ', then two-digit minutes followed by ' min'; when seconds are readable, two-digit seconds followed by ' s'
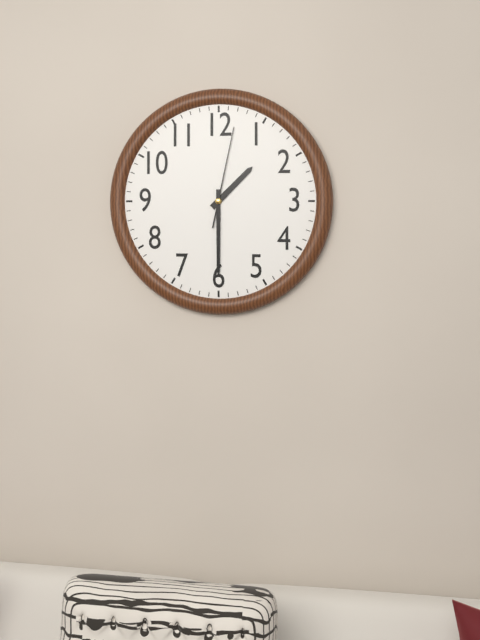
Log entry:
1 h 30 min 02 s
